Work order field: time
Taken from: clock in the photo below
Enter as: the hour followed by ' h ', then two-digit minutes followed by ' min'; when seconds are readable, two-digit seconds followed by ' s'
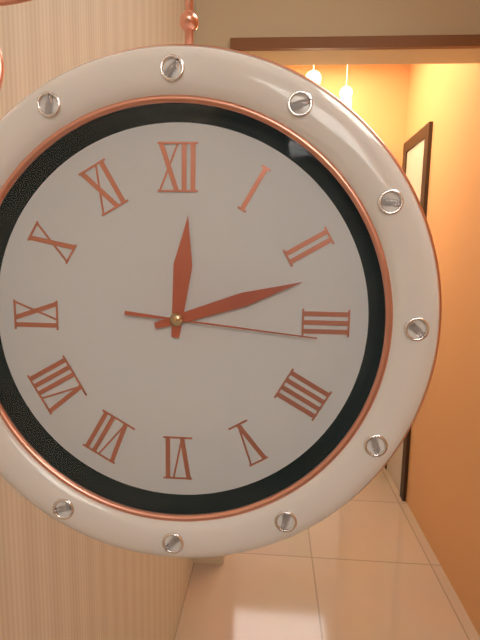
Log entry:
12 h 12 min 16 s
